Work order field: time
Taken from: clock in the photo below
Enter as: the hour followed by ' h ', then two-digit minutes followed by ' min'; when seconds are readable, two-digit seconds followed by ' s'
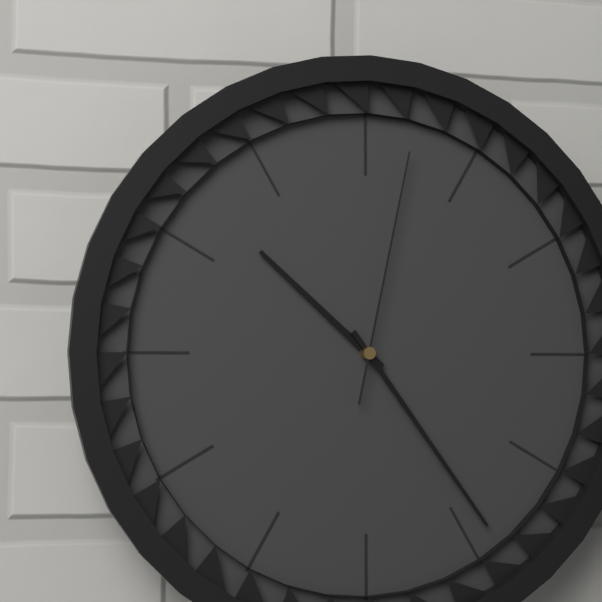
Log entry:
10 h 24 min 02 s
